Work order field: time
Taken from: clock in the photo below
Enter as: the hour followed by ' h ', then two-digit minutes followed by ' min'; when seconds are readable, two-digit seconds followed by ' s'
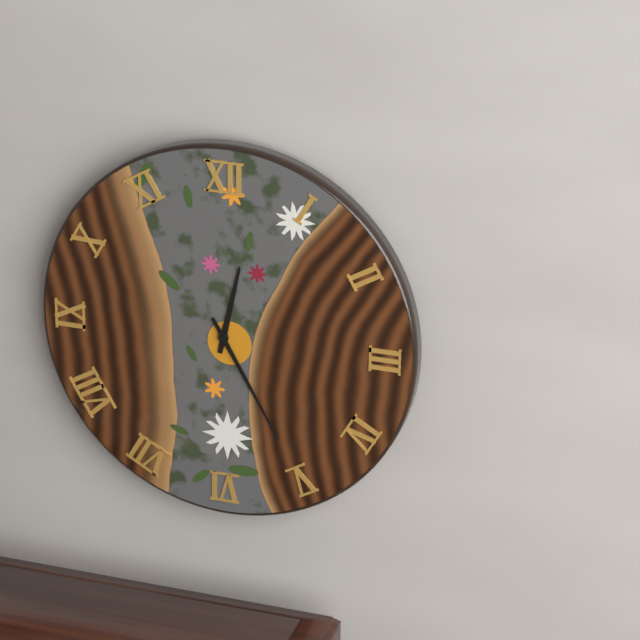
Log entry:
12 h 25 min
